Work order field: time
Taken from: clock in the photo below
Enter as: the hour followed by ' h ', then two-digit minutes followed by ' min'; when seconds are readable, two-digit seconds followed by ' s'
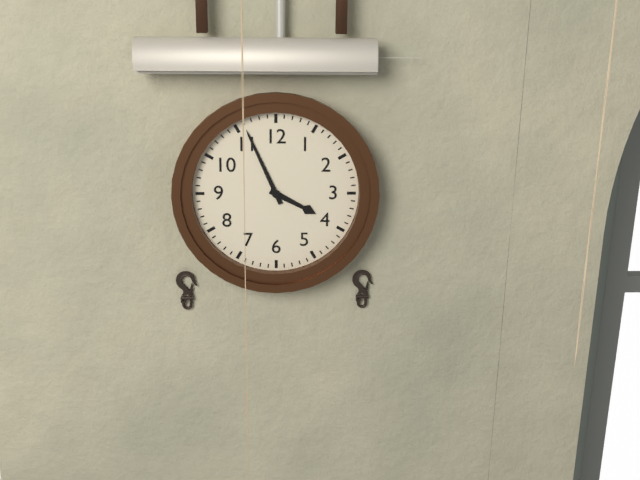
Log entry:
3 h 56 min
